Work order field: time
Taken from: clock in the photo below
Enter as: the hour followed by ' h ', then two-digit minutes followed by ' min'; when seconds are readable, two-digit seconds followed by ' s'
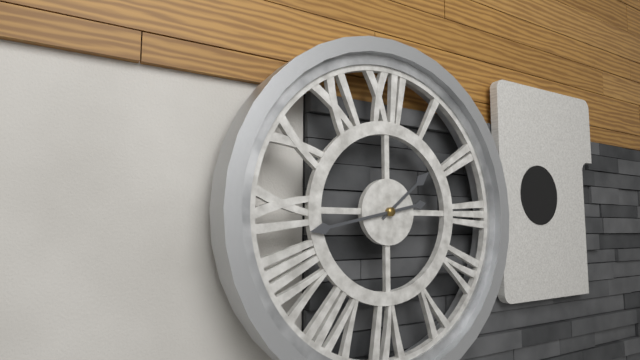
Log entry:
1 h 43 min
